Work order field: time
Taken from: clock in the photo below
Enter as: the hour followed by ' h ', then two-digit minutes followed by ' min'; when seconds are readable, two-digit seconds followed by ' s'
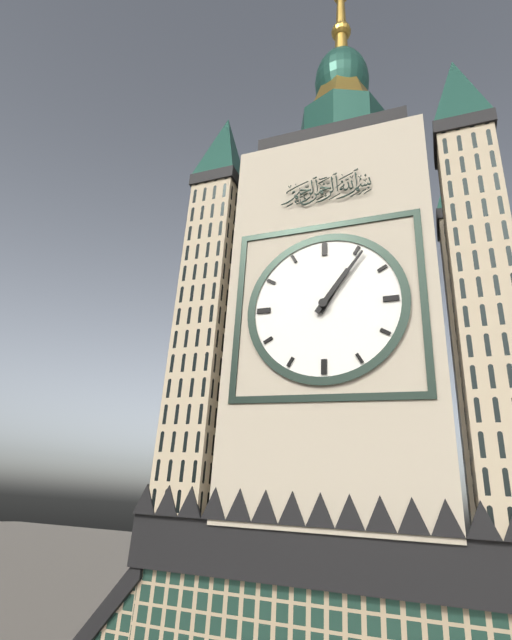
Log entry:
1 h 06 min
